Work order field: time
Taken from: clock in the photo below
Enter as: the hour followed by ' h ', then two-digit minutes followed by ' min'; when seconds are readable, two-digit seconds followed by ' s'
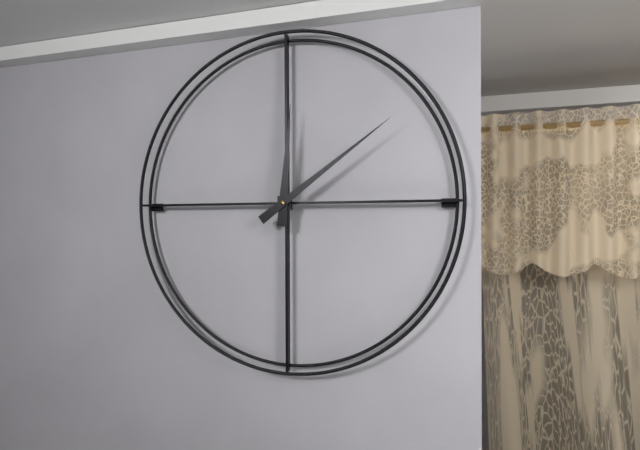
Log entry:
12 h 09 min
